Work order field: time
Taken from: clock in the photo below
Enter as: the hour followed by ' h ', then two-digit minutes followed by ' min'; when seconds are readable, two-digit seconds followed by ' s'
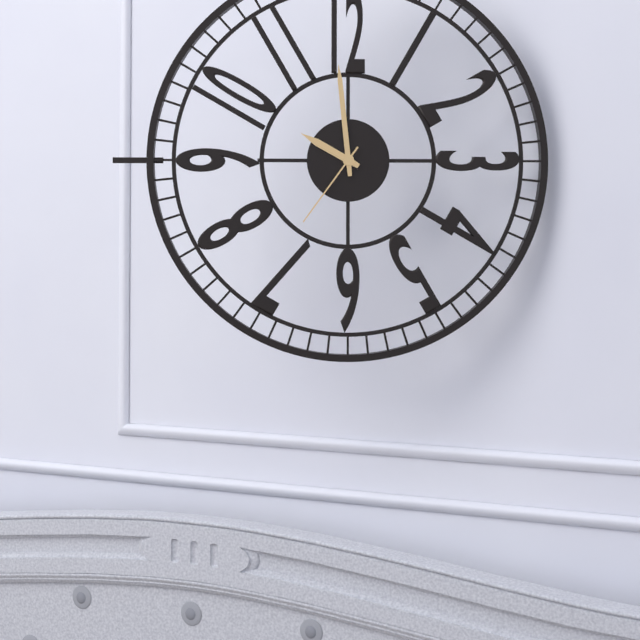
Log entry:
9 h 59 min 36 s
